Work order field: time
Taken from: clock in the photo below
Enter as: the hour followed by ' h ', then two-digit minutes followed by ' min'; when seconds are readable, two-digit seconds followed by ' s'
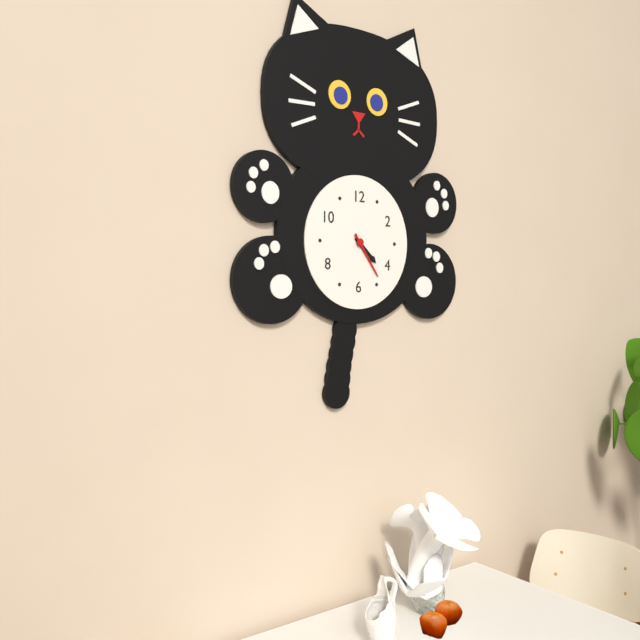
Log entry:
4 h 24 min
